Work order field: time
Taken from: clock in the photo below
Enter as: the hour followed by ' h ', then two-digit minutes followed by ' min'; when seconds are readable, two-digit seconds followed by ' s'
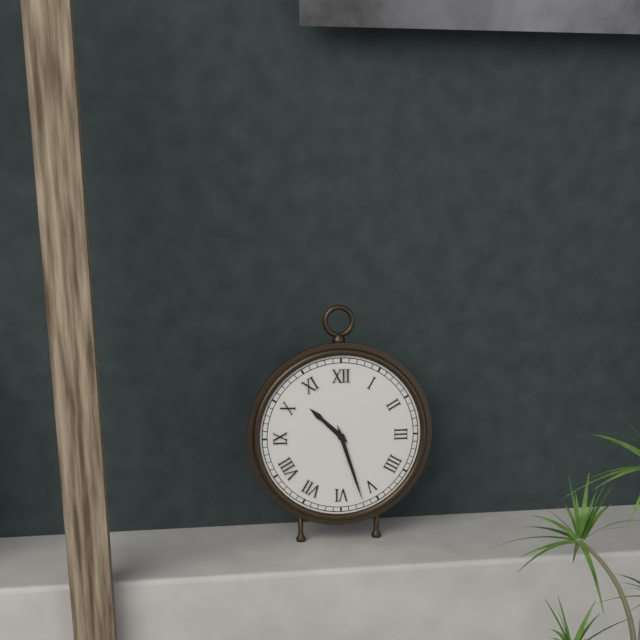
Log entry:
10 h 27 min
